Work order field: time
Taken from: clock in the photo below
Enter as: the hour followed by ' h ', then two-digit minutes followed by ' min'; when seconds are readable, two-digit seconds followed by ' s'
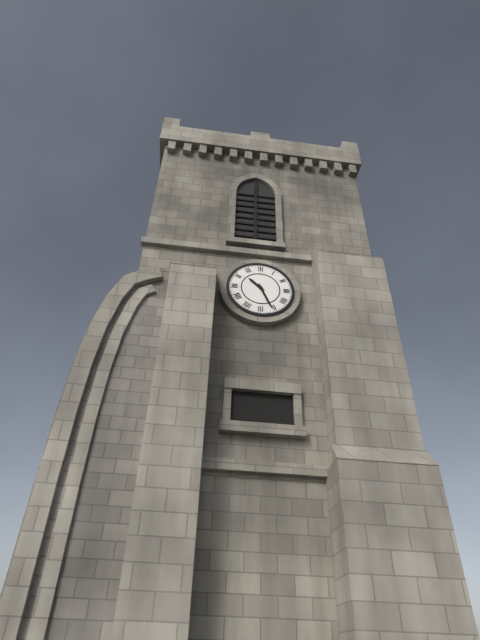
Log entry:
10 h 26 min
